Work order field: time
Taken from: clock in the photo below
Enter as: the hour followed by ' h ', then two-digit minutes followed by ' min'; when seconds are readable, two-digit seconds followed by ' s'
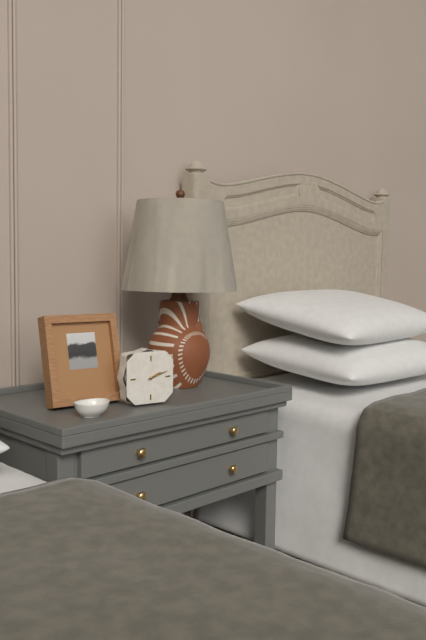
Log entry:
2 h 12 min
